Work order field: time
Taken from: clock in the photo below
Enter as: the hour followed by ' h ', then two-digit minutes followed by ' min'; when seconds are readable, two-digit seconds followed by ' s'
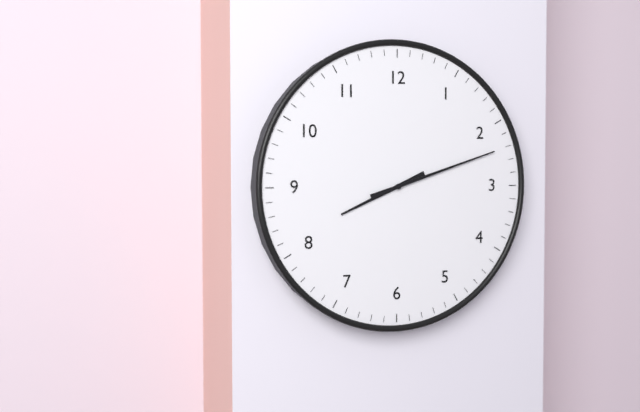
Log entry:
8 h 12 min
